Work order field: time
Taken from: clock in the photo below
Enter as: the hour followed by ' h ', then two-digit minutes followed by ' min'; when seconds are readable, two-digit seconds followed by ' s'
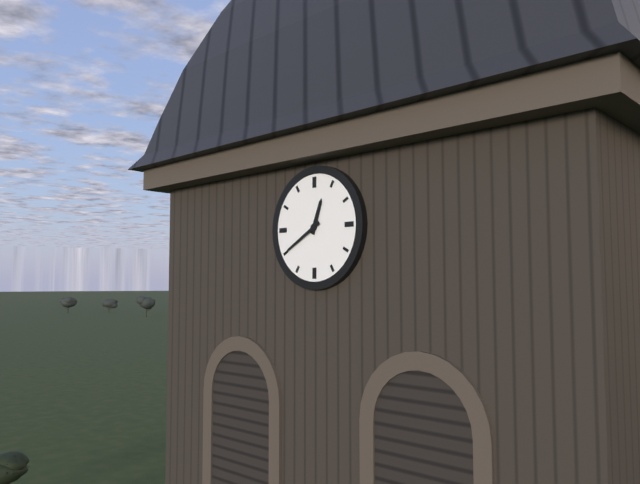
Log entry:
12 h 40 min
